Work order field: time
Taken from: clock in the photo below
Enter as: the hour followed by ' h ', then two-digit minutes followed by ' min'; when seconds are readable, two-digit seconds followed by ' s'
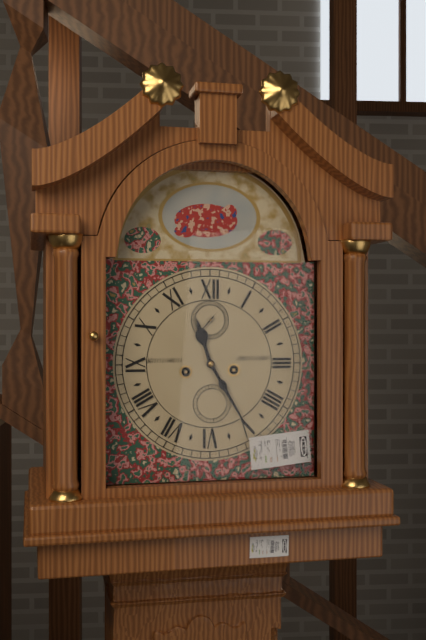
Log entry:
11 h 25 min
